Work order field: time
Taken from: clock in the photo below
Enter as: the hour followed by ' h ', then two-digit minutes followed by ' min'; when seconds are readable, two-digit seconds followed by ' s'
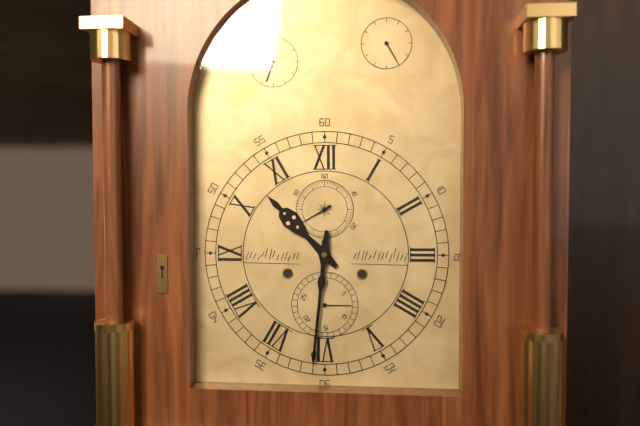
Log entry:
10 h 31 min
